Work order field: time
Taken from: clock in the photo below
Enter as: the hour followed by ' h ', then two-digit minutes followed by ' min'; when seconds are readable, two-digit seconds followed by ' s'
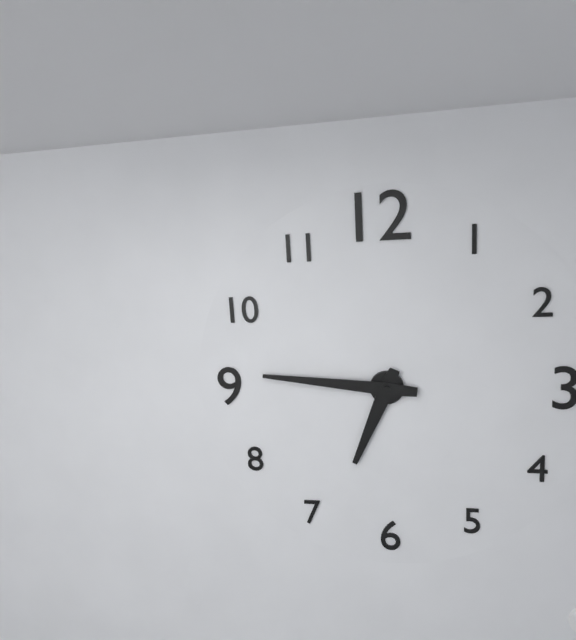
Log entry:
6 h 46 min
